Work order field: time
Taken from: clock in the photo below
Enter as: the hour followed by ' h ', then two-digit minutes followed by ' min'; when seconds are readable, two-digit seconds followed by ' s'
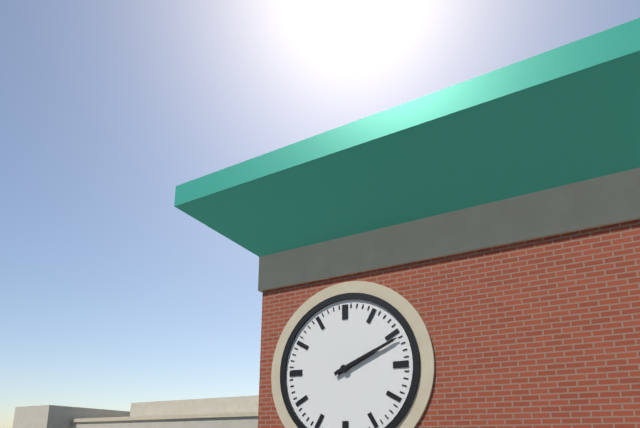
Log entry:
2 h 11 min
